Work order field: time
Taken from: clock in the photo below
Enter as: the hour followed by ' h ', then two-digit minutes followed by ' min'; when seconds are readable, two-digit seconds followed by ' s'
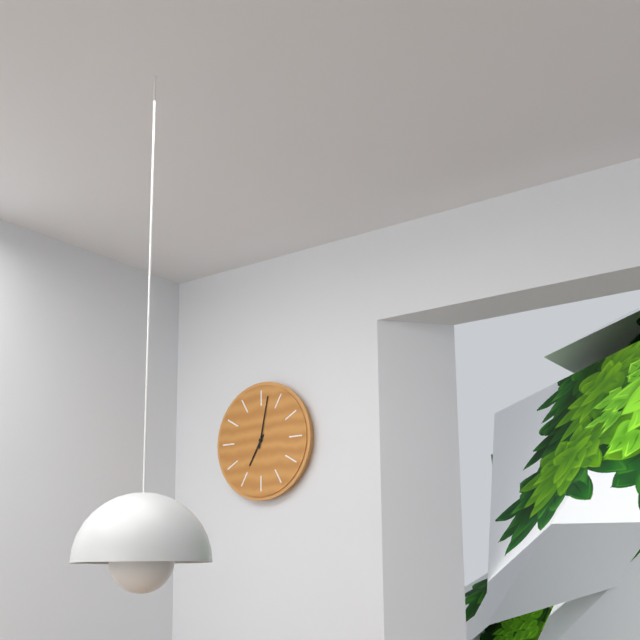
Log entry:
7 h 02 min
